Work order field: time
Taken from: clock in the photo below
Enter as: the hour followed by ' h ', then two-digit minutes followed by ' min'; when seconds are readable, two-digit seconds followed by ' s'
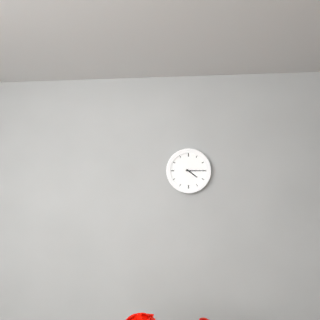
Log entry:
4 h 15 min
